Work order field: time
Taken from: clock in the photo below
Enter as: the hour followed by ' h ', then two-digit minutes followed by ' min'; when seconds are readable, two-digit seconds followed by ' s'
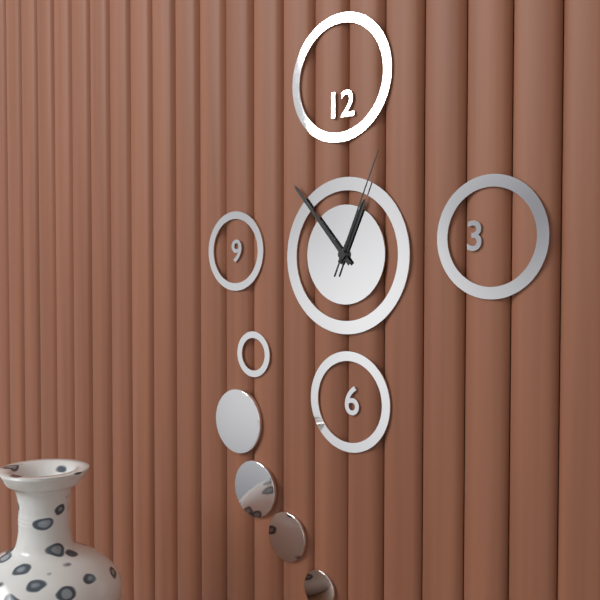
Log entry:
12 h 53 min 04 s
